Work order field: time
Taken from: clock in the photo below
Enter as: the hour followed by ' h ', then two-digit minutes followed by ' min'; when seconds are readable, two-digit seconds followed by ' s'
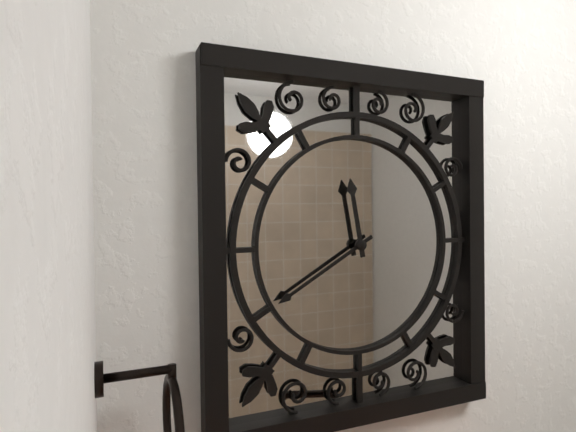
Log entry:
11 h 40 min
